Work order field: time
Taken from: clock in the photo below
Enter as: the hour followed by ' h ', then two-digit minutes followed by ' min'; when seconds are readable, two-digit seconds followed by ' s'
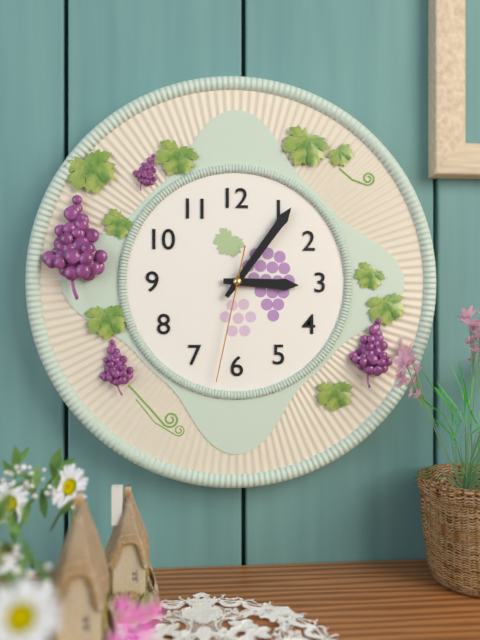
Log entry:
3 h 06 min 32 s
